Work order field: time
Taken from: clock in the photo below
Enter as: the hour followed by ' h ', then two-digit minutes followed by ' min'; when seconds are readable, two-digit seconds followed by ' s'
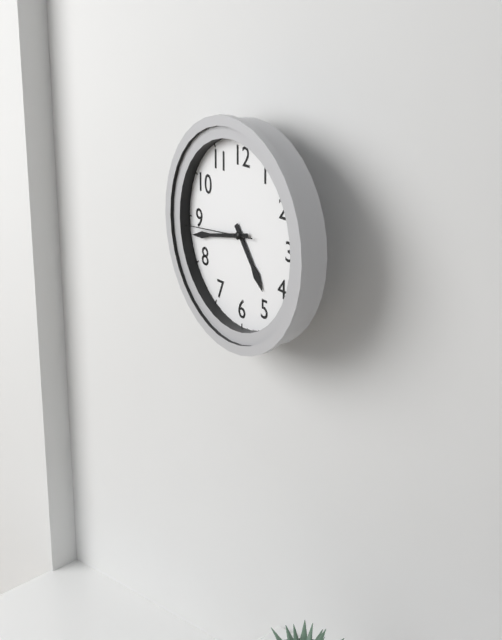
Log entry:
4 h 43 min 44 s
